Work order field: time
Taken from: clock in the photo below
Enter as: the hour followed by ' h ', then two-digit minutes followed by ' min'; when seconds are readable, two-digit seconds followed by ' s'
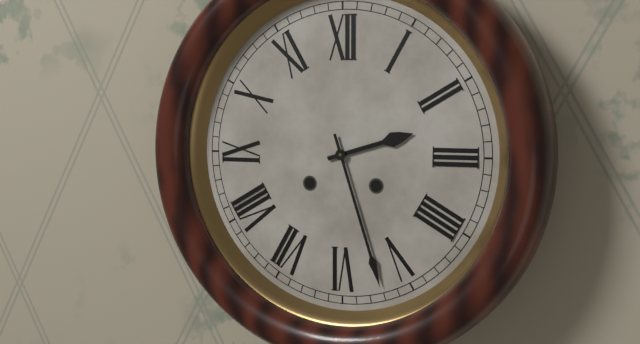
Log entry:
2 h 27 min
